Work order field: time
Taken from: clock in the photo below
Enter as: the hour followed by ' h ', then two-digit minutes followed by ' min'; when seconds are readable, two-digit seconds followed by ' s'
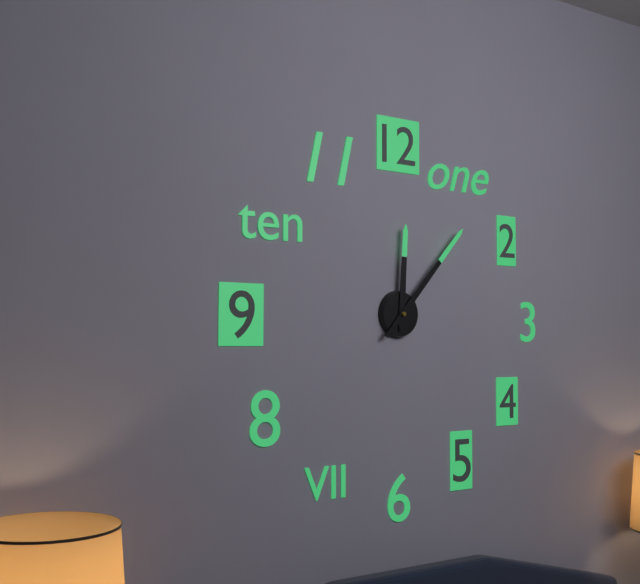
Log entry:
12 h 07 min
